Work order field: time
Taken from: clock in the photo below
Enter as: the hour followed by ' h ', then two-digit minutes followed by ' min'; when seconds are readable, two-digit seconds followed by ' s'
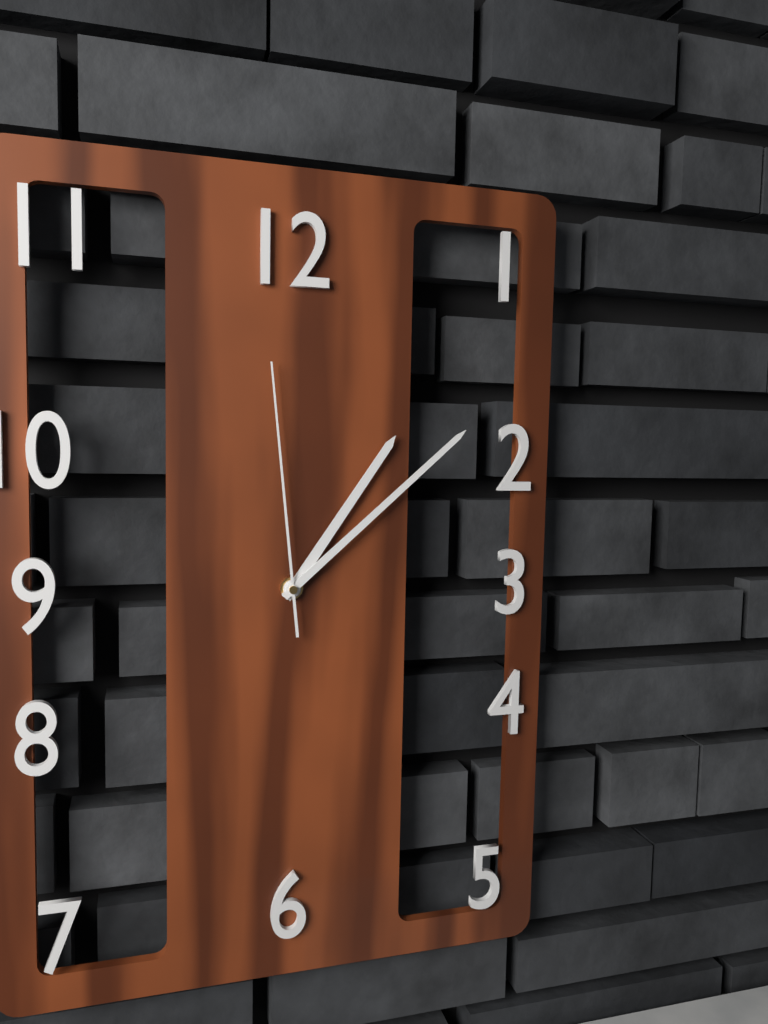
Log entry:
1 h 08 min 59 s
